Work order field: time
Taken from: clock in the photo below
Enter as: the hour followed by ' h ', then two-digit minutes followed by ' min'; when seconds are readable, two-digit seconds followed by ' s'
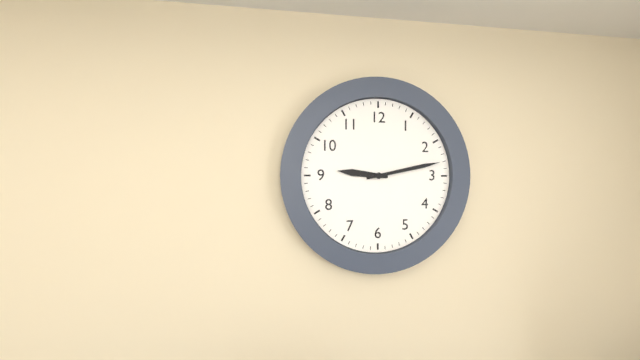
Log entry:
9 h 13 min
